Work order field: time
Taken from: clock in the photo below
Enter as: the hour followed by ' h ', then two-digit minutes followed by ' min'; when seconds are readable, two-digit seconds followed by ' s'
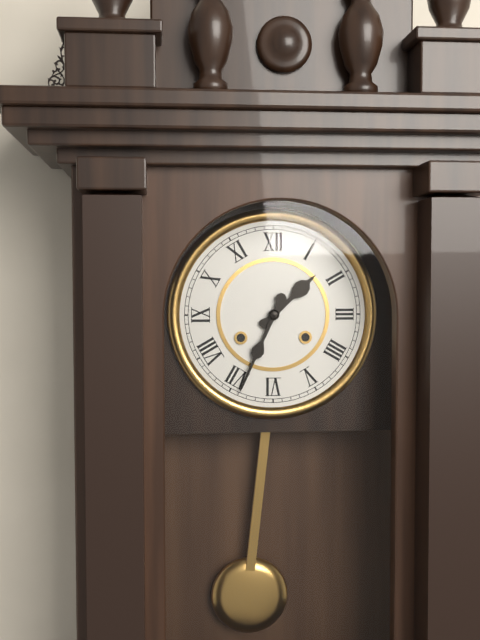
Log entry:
1 h 34 min
